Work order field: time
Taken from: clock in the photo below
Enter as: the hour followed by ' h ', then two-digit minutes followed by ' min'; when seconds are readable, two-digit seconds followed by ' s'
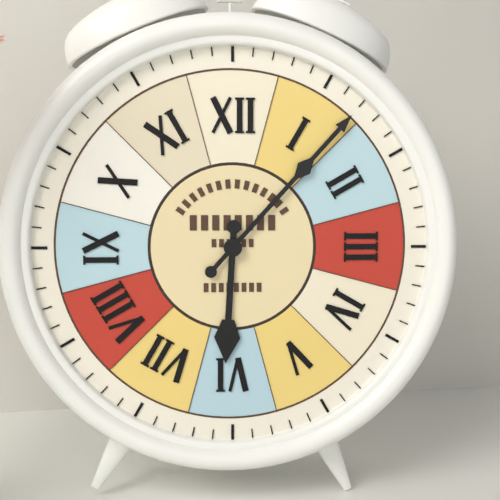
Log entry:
6 h 07 min
